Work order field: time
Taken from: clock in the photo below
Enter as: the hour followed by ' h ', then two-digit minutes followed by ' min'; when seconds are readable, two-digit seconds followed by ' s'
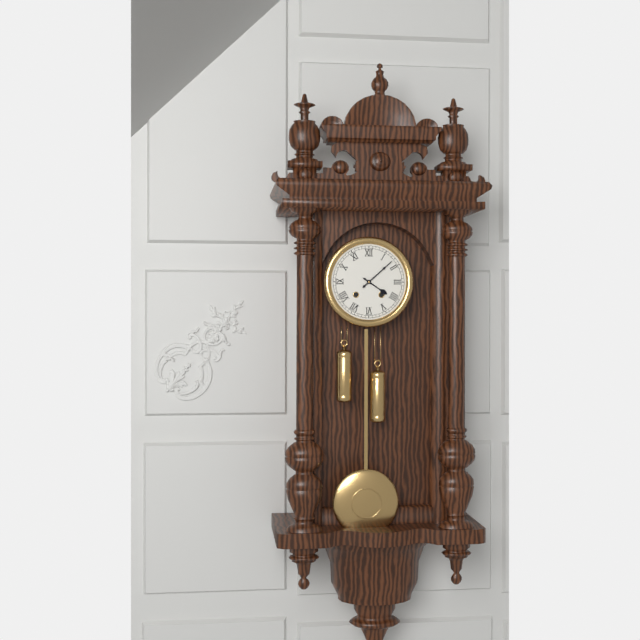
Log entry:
4 h 08 min
